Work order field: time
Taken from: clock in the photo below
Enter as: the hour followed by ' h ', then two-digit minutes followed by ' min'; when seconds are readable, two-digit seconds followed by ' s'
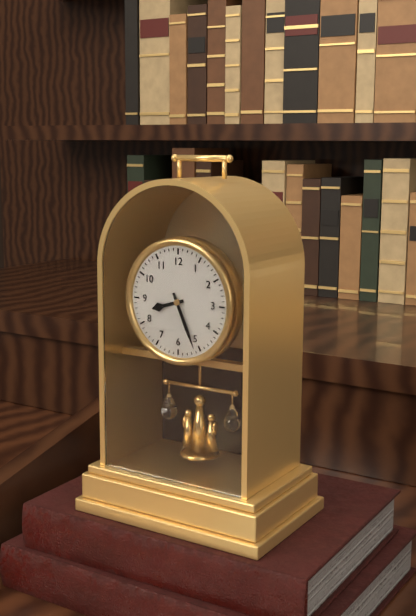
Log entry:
8 h 26 min
